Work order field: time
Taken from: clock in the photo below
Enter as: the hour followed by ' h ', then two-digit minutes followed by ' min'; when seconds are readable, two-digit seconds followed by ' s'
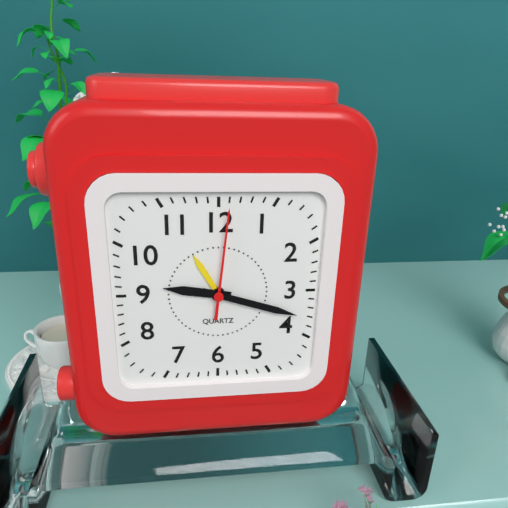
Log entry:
9 h 18 min 01 s
